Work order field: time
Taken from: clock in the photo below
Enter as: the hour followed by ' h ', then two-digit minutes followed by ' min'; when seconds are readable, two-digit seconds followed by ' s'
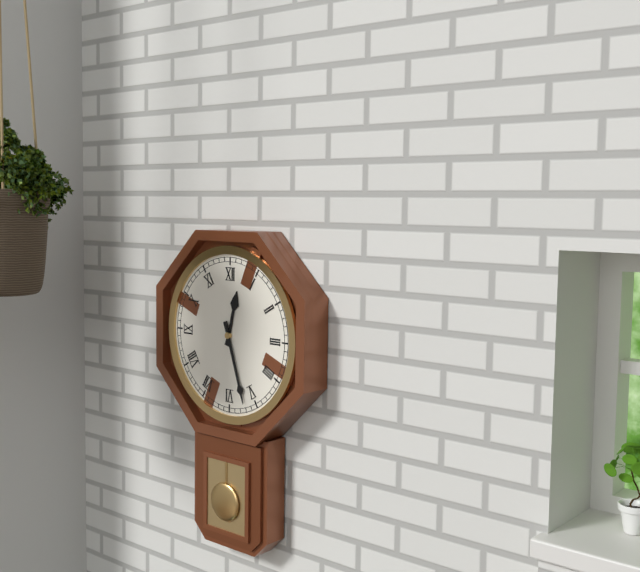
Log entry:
12 h 27 min
